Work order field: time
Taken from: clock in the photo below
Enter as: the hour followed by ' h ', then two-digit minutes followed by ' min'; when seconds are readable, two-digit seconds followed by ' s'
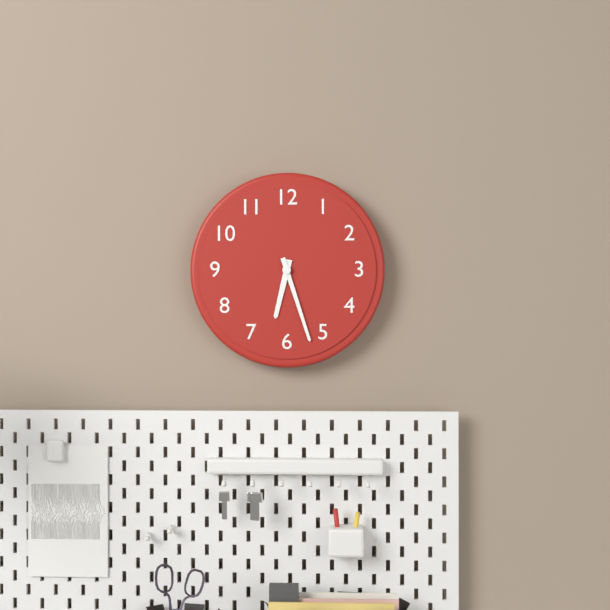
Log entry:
6 h 27 min
